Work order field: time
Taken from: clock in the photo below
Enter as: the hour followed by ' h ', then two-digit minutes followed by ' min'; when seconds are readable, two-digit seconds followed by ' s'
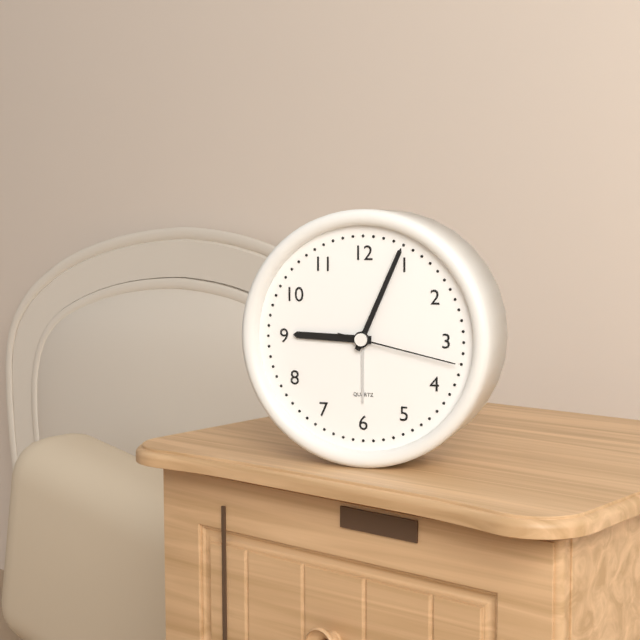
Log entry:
9 h 04 min 17 s
